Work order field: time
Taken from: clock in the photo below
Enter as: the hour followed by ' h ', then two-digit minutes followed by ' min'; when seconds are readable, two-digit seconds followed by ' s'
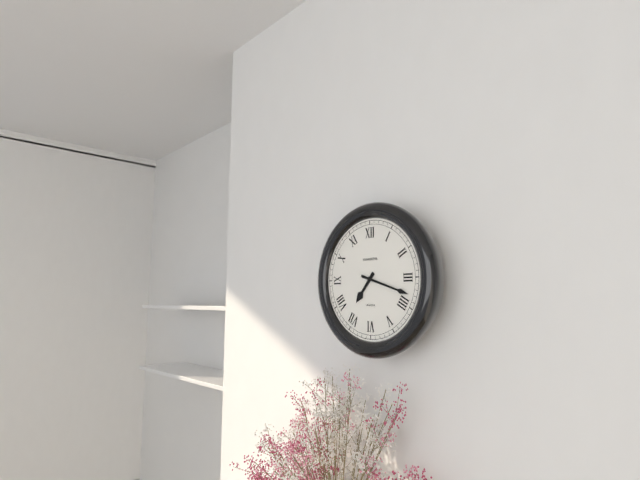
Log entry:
7 h 18 min
